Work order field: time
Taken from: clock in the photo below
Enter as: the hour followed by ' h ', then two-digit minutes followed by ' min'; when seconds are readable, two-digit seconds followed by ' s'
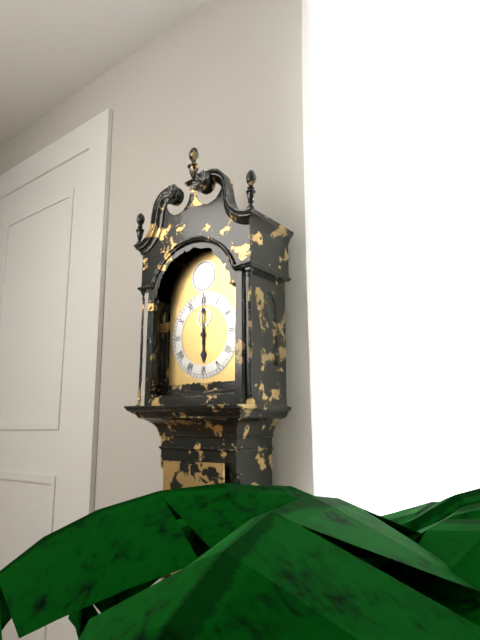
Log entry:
6 h 00 min
